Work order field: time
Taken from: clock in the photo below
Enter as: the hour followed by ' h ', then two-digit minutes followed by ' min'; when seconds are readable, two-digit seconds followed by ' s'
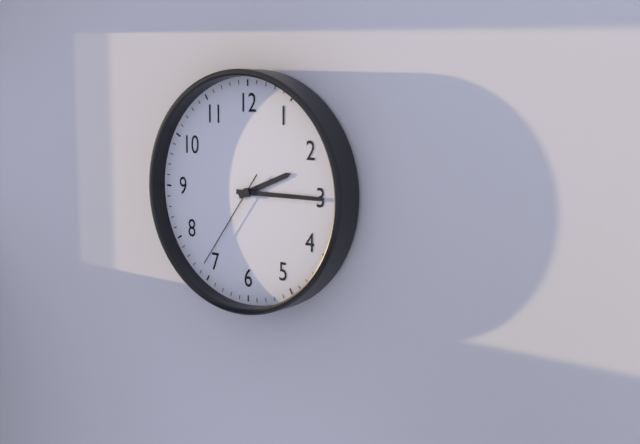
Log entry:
2 h 15 min 36 s
